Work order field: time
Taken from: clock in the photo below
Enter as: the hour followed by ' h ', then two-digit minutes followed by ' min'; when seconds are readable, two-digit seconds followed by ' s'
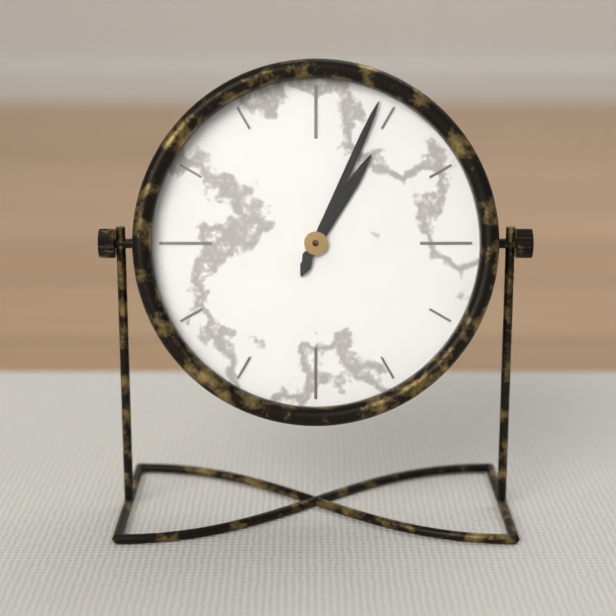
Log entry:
1 h 04 min
